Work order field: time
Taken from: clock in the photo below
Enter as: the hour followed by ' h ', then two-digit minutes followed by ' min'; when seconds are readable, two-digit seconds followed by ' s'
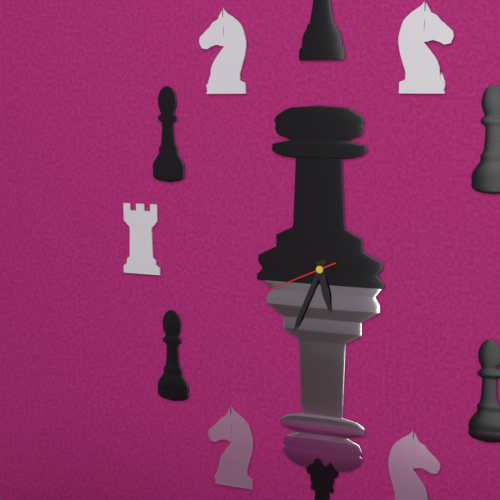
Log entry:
5 h 34 min 41 s
